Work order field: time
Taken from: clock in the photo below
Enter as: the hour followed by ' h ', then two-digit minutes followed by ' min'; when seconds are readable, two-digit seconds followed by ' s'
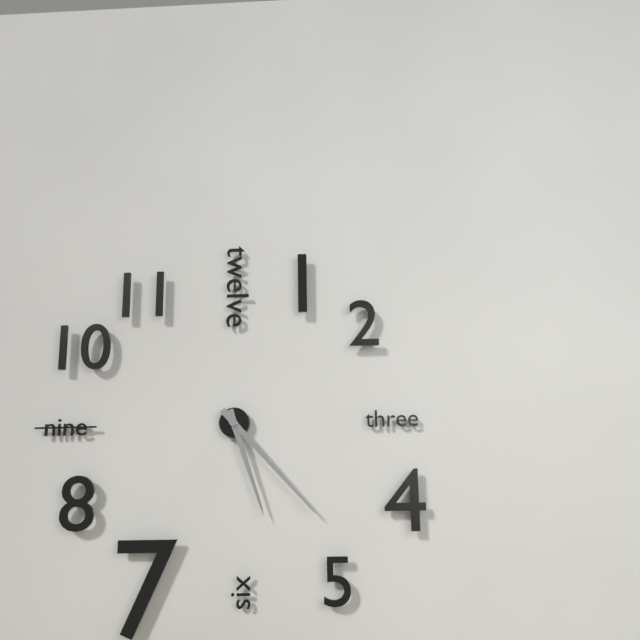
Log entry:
5 h 23 min
